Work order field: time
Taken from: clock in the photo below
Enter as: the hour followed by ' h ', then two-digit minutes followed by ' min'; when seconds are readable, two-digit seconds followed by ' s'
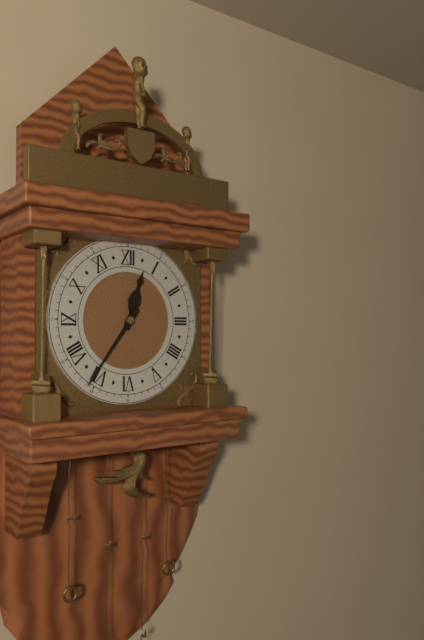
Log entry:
12 h 36 min
